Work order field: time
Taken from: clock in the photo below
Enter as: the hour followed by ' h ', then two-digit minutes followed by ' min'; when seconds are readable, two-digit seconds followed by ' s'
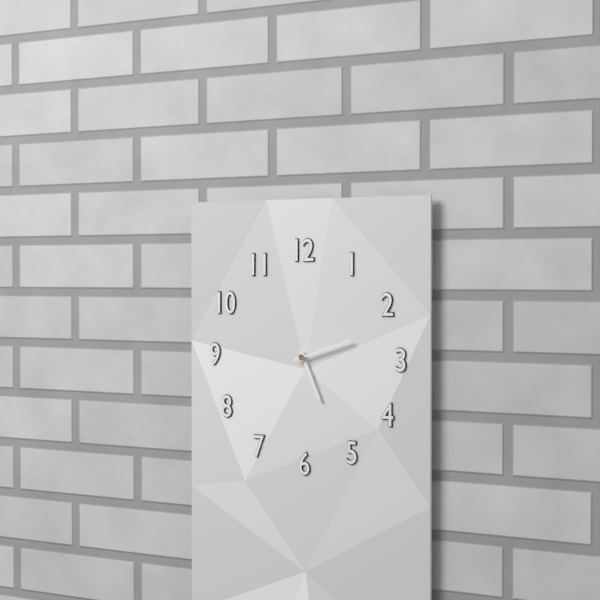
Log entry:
5 h 12 min
